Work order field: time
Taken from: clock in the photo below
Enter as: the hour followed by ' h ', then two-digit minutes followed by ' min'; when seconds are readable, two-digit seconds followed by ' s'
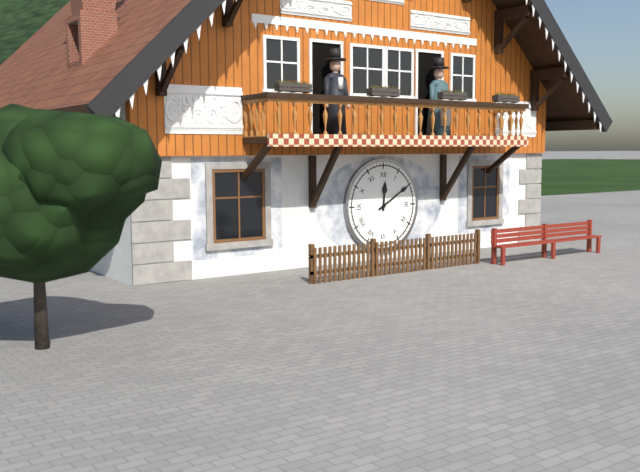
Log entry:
12 h 10 min
